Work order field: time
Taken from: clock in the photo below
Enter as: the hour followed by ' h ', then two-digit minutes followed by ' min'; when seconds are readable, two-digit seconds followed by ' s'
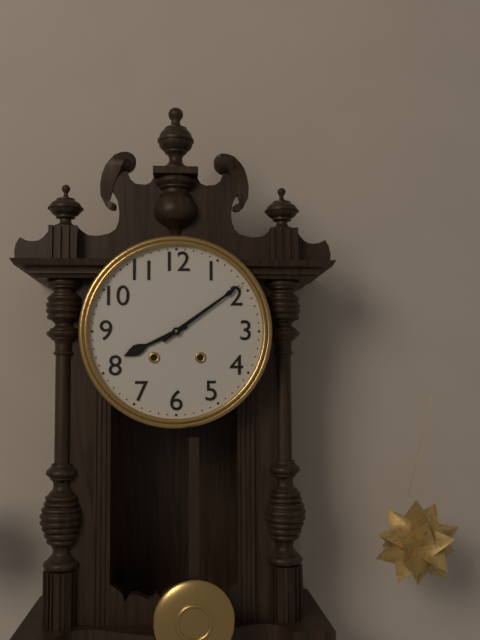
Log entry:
8 h 09 min
